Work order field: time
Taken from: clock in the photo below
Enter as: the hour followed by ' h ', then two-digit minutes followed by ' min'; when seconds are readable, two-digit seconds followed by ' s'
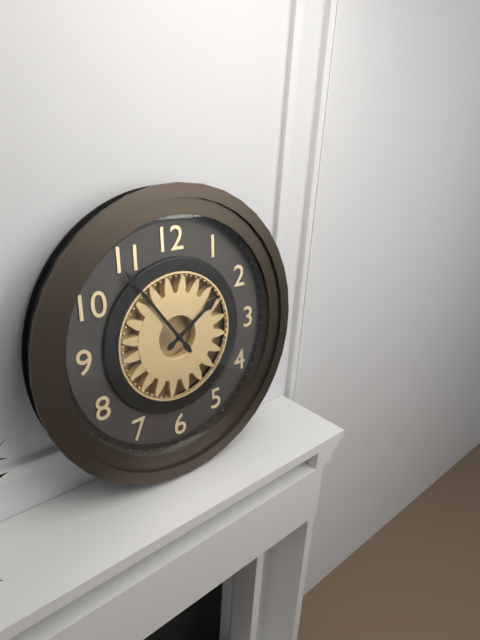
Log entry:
1 h 54 min
